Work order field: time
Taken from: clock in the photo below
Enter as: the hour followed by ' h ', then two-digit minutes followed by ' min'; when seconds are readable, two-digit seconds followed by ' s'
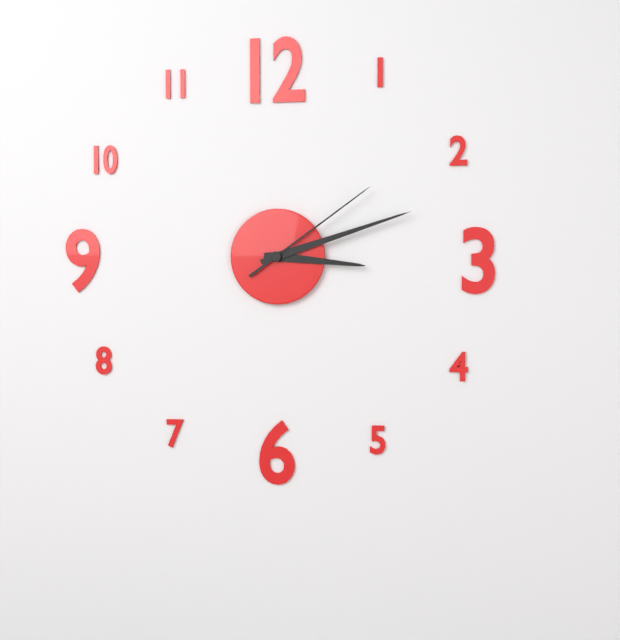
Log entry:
3 h 12 min 09 s
